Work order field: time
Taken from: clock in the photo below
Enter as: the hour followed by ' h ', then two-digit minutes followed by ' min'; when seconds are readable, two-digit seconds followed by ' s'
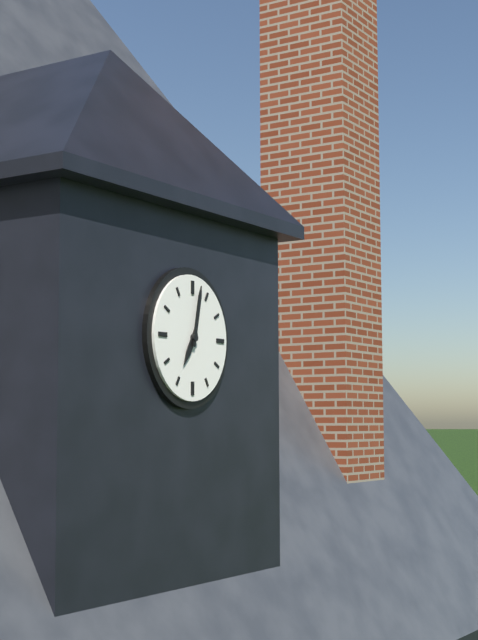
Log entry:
7 h 02 min
